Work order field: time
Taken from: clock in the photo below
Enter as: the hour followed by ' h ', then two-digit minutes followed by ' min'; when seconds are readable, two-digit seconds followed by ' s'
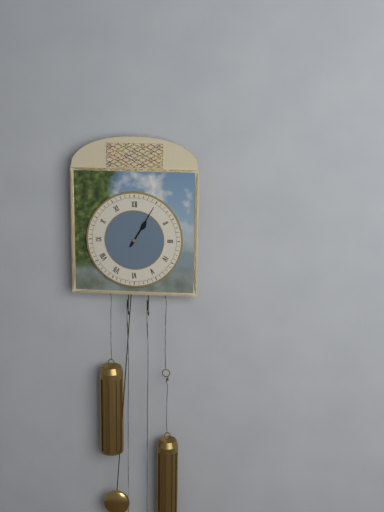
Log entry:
1 h 05 min
